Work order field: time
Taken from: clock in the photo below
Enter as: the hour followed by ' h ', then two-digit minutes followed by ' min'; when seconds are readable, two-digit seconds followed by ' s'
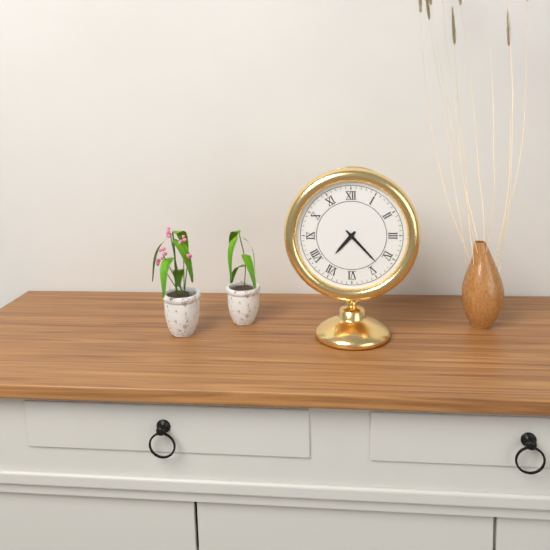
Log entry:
7 h 23 min
